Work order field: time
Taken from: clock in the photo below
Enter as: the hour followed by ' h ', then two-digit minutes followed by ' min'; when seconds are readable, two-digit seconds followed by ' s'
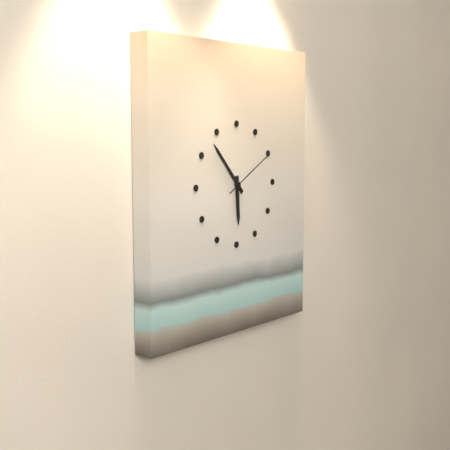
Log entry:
5 h 53 min 10 s
